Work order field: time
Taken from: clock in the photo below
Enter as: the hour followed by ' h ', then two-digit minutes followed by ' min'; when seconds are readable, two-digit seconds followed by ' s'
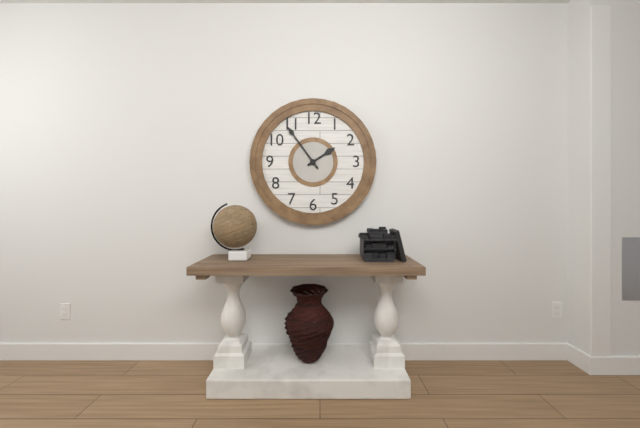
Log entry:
1 h 54 min
